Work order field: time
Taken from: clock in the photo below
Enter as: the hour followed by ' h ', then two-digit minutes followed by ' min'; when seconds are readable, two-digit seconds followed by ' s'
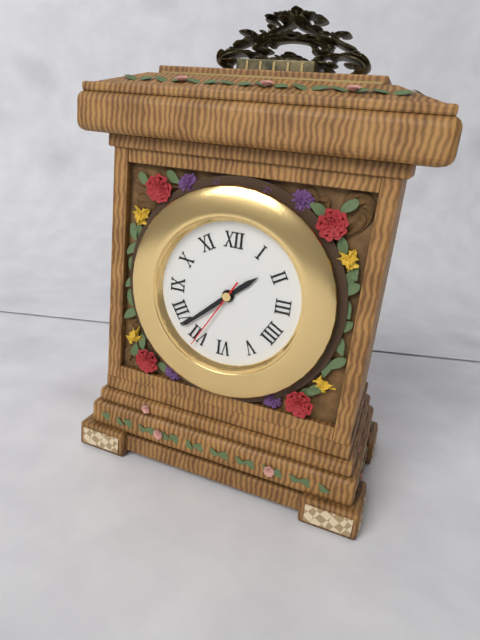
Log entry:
1 h 38 min 35 s
